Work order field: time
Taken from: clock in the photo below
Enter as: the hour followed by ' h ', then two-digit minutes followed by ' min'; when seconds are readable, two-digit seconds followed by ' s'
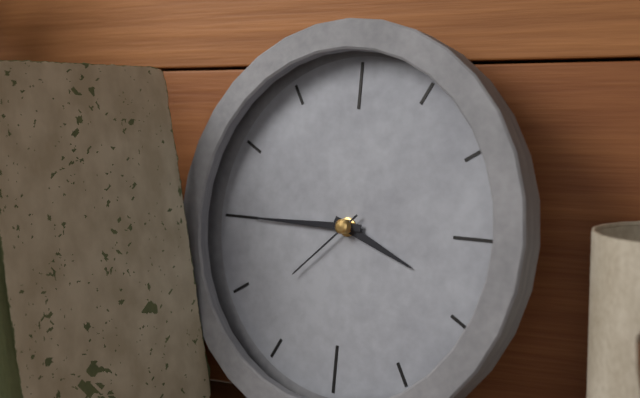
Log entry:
3 h 45 min 38 s
